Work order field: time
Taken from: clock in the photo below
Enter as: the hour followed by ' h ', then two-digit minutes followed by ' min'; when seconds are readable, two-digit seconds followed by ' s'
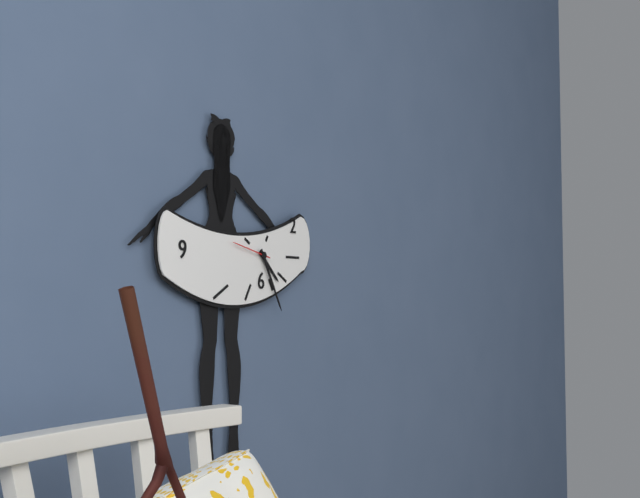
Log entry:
4 h 25 min
